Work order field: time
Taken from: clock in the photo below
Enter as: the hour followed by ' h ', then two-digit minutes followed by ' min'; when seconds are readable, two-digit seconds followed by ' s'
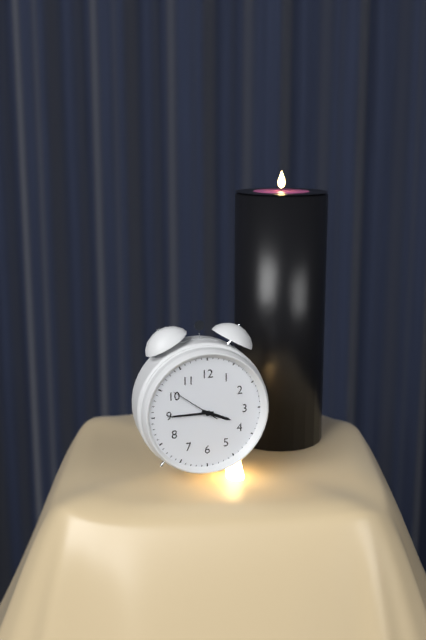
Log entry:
3 h 45 min 51 s
